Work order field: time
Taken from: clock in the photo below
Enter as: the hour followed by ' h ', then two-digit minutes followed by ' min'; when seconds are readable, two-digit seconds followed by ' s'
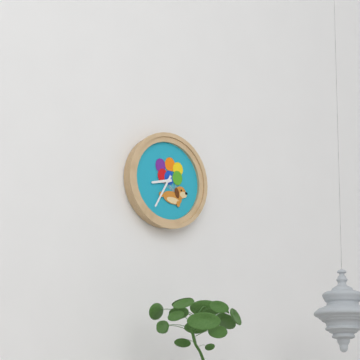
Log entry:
8 h 35 min
